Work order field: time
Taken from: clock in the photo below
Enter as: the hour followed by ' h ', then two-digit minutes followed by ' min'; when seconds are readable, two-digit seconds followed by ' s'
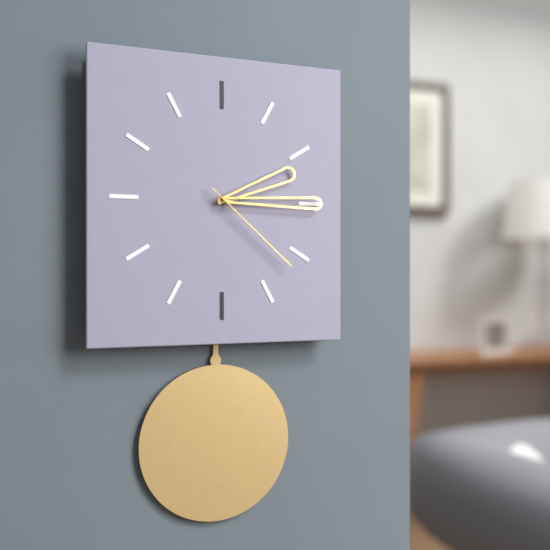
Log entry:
2 h 15 min 22 s
